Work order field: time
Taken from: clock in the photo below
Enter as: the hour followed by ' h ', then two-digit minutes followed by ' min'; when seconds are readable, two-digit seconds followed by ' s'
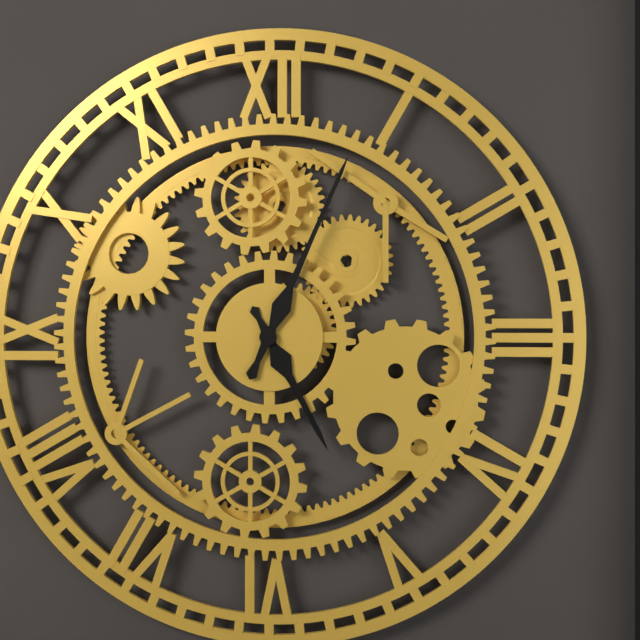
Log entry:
5 h 04 min
